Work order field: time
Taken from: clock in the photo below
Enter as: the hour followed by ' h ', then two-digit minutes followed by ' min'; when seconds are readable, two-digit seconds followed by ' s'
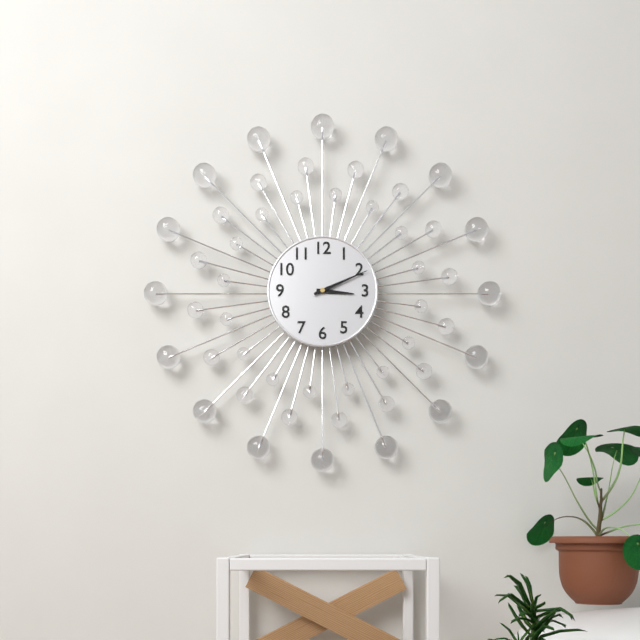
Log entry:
3 h 11 min
